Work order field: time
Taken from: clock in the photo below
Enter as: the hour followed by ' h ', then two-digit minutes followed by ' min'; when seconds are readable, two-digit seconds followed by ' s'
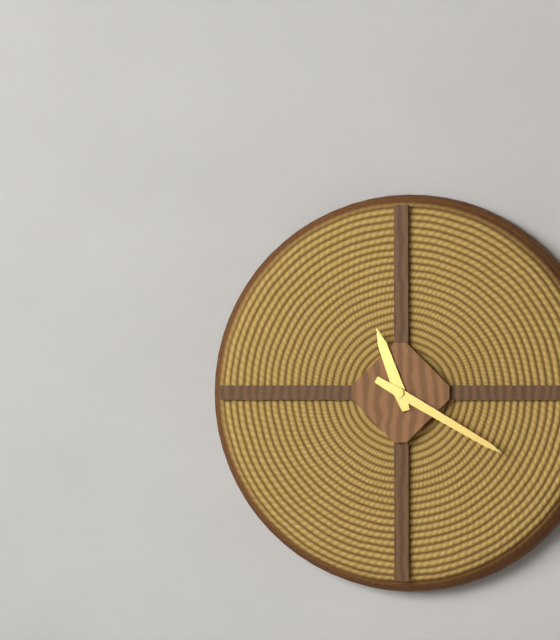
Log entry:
11 h 20 min
